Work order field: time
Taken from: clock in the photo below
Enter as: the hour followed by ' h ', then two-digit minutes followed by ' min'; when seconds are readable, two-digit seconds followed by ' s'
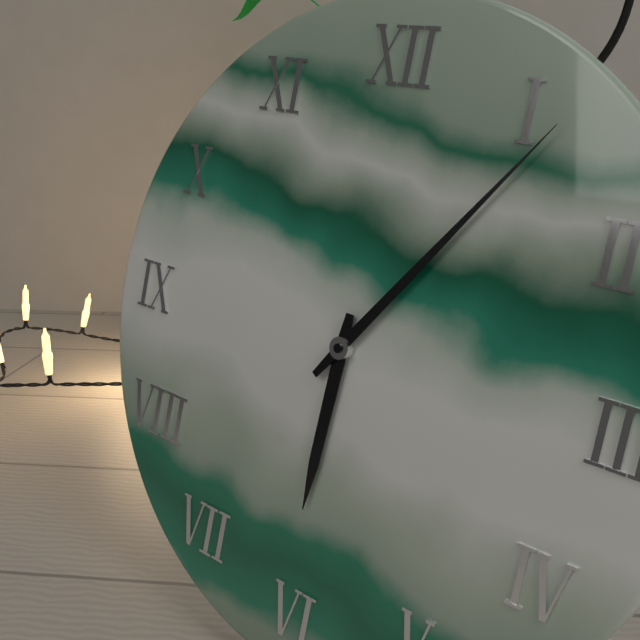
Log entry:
6 h 06 min
